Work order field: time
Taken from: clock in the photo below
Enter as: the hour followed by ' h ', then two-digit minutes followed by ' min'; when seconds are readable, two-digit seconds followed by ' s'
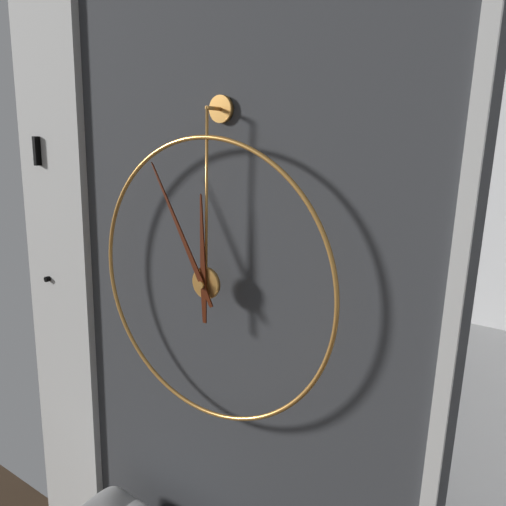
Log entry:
11 h 55 min
